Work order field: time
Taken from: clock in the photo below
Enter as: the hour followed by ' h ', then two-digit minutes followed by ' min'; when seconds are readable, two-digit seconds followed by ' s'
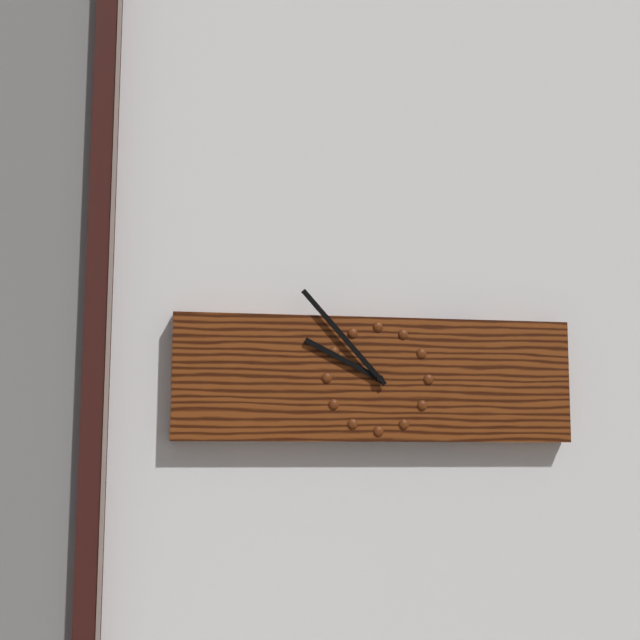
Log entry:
9 h 53 min
